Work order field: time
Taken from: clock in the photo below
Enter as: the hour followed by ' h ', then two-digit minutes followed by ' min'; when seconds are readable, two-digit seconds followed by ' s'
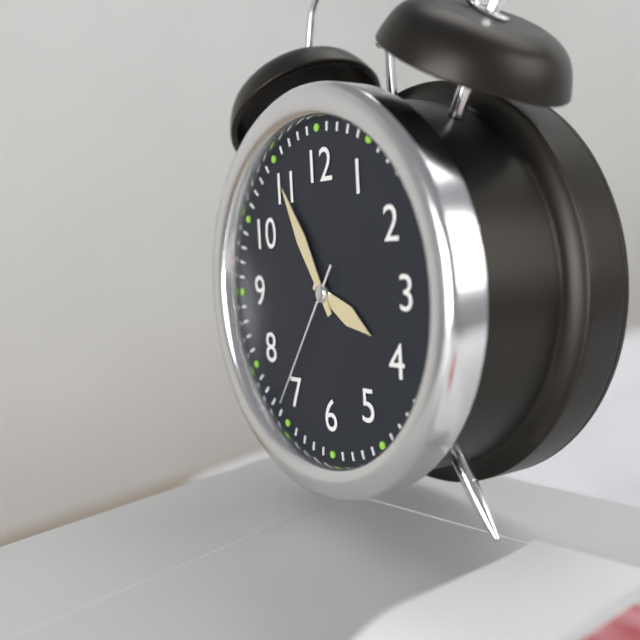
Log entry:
3 h 55 min 36 s
